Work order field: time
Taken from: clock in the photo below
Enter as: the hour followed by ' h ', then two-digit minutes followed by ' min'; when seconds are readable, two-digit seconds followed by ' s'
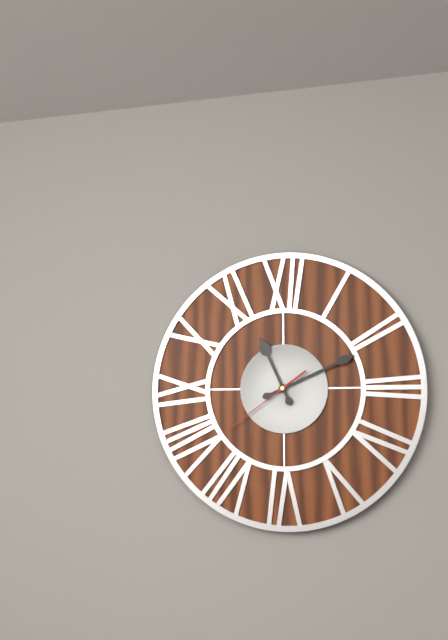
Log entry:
11 h 11 min 39 s
